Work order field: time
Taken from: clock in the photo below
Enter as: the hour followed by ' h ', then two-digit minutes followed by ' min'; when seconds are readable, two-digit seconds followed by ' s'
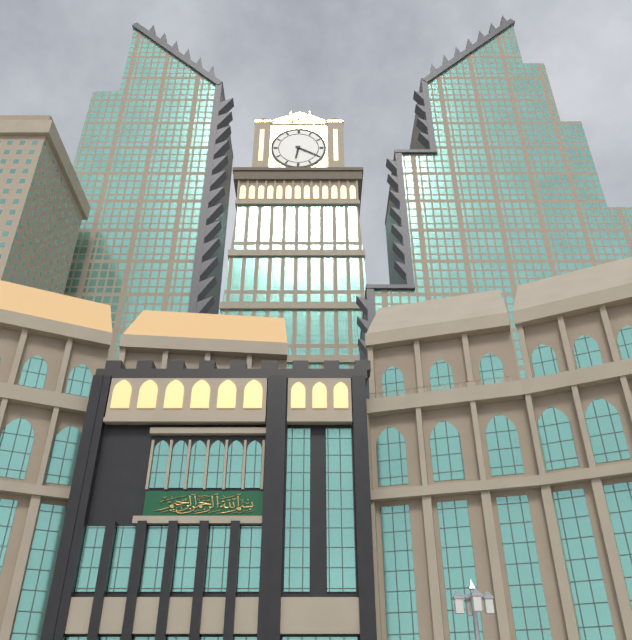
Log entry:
6 h 20 min
